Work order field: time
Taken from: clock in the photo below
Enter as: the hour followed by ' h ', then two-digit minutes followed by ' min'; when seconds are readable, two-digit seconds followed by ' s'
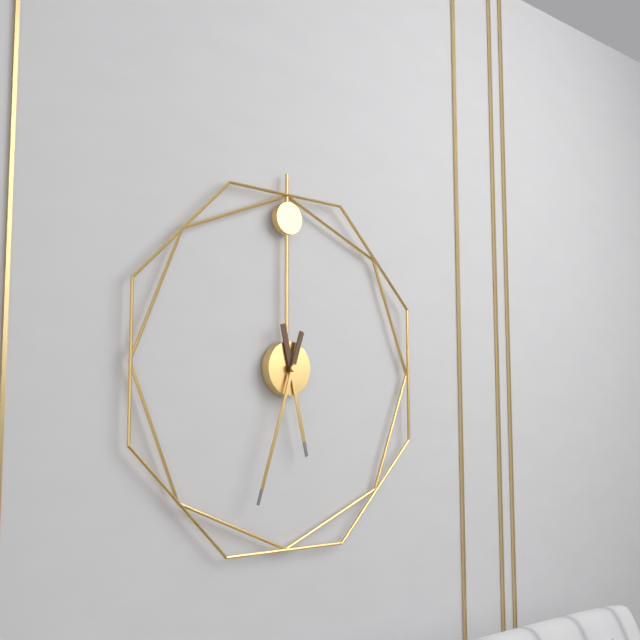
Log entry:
5 h 33 min
